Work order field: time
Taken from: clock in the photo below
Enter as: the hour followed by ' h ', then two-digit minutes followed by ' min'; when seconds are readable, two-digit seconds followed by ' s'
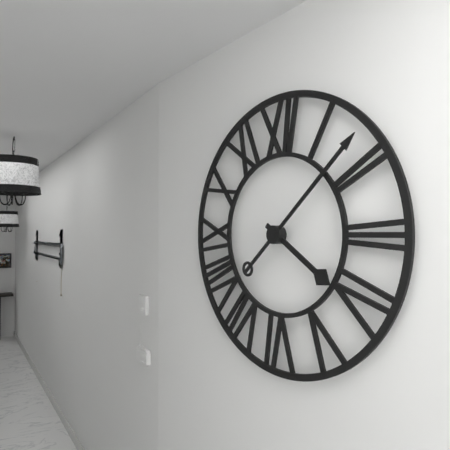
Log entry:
4 h 08 min
